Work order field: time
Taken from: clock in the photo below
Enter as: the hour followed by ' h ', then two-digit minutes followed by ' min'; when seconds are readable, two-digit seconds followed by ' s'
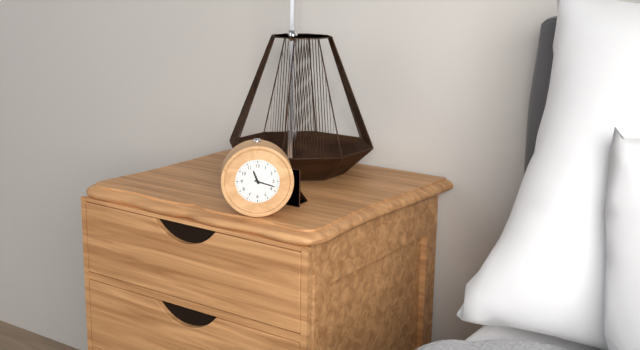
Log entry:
11 h 18 min
